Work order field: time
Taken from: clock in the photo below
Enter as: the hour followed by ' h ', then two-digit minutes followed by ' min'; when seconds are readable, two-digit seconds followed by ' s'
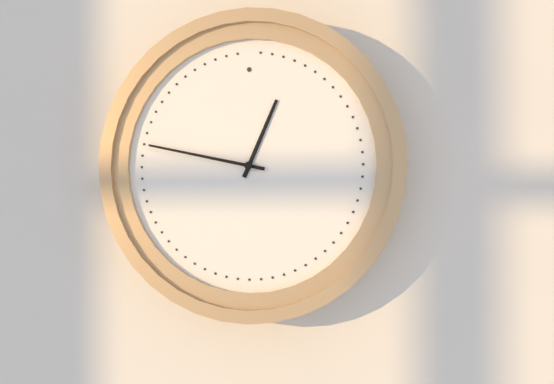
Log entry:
12 h 47 min
